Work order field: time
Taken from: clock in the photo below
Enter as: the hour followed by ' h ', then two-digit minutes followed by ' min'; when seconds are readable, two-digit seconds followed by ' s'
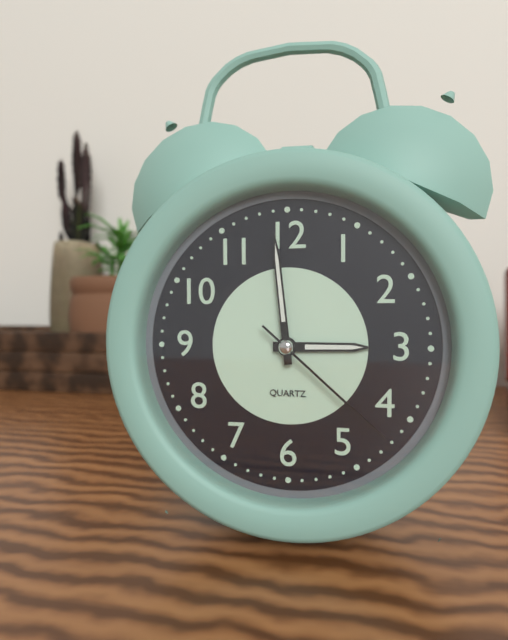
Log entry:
2 h 59 min 22 s
